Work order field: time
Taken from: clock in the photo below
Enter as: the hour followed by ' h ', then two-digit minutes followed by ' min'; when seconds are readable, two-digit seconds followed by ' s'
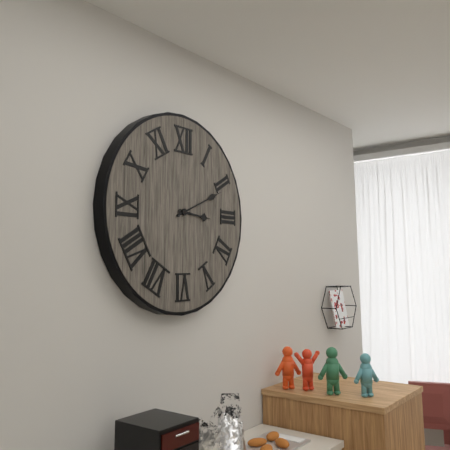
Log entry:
3 h 11 min
